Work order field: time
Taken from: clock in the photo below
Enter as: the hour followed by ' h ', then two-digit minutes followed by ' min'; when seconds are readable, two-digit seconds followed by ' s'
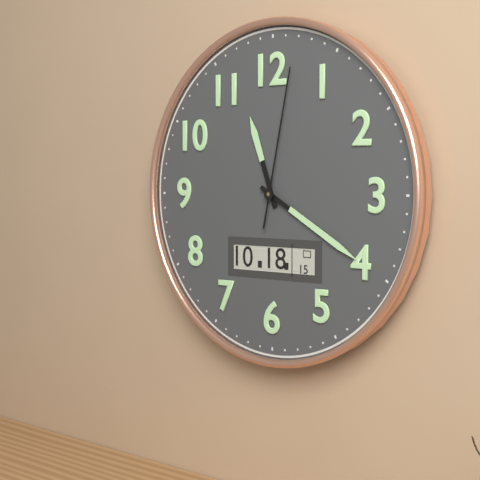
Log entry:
11 h 20 min 02 s
